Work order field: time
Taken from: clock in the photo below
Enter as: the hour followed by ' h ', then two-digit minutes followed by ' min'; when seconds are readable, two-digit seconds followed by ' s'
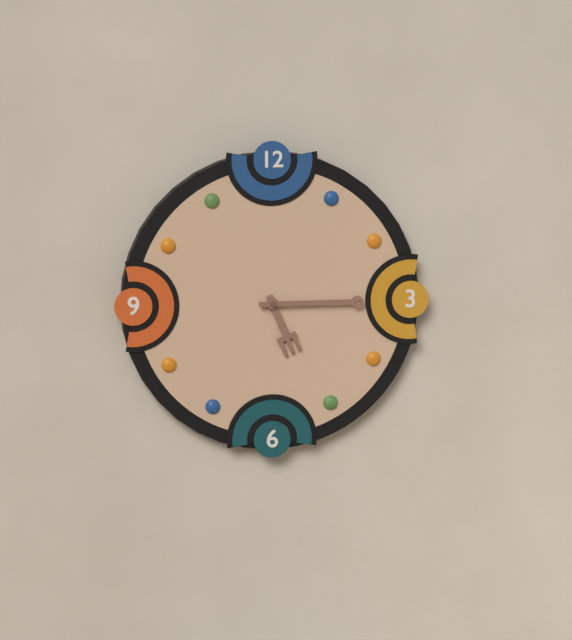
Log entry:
5 h 15 min
